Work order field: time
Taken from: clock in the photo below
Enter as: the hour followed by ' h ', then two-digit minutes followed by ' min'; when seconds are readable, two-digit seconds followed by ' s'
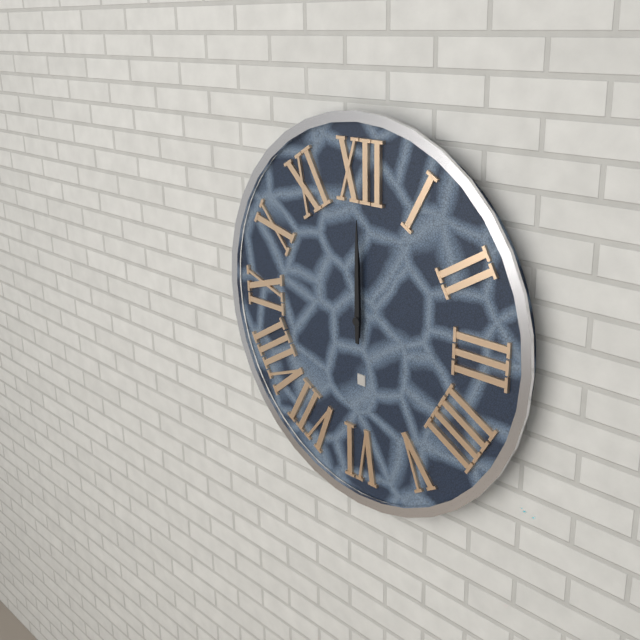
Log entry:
12 h 00 min
